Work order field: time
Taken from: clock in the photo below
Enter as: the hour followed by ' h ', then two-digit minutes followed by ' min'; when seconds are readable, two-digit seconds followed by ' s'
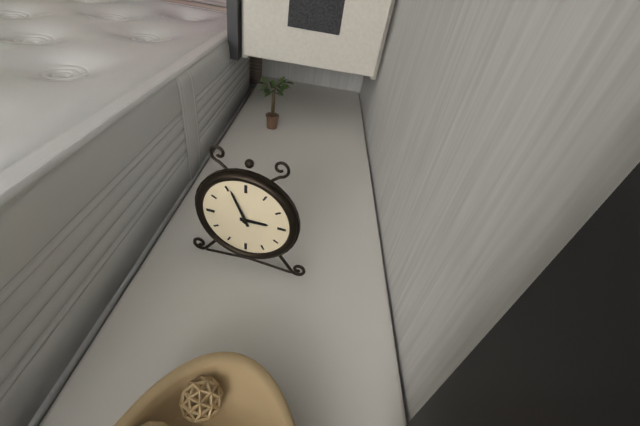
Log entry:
2 h 56 min
